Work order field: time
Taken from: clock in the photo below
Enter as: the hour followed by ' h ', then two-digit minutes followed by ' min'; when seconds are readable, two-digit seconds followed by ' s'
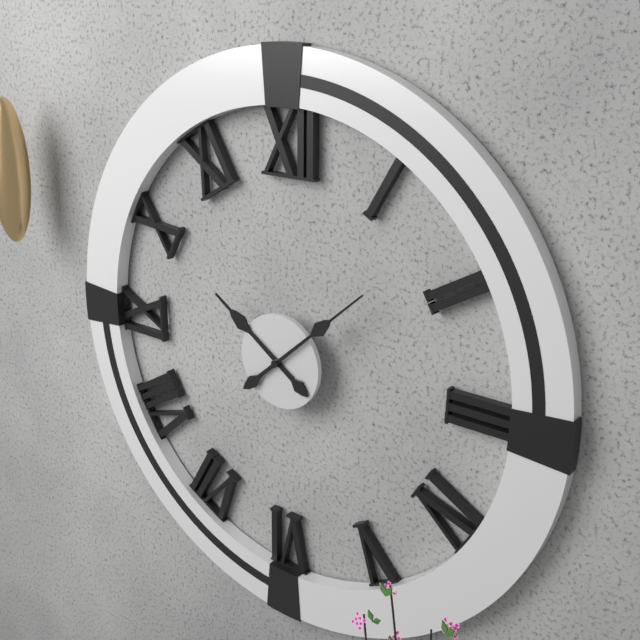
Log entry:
10 h 08 min
